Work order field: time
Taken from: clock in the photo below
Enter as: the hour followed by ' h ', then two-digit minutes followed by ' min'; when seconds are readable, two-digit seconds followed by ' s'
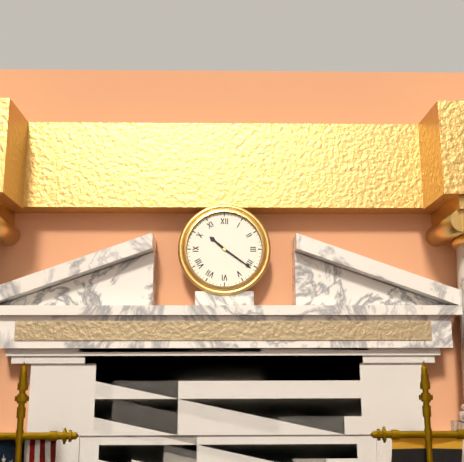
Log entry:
10 h 21 min
